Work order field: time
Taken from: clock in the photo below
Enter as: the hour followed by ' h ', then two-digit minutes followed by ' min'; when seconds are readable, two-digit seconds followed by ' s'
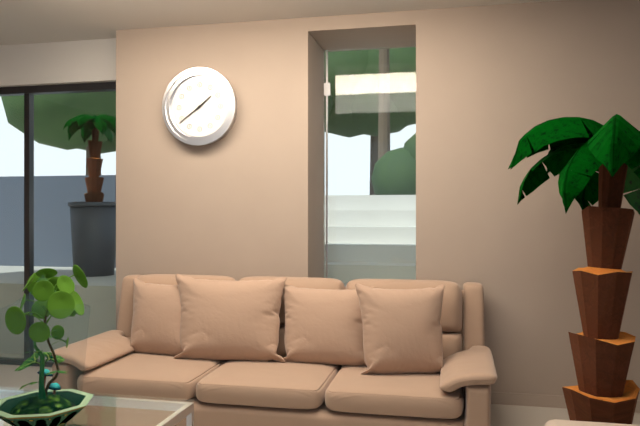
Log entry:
1 h 39 min
